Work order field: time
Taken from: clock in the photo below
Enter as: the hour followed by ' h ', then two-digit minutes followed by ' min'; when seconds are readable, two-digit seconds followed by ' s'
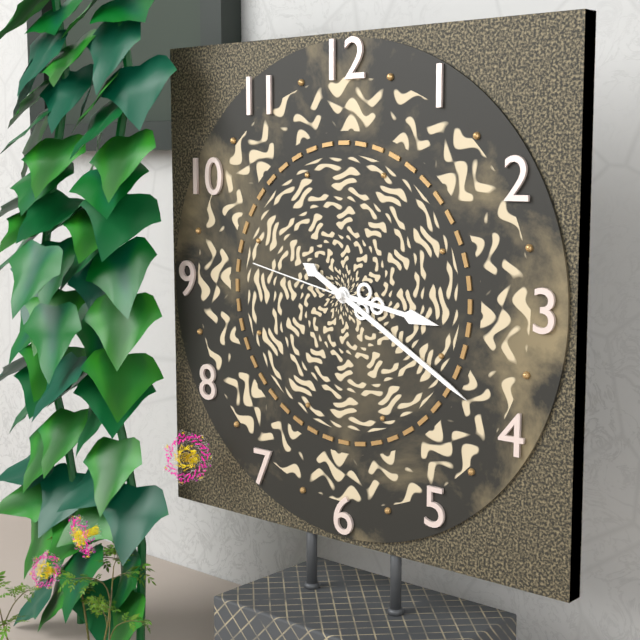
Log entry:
3 h 20 min 47 s
